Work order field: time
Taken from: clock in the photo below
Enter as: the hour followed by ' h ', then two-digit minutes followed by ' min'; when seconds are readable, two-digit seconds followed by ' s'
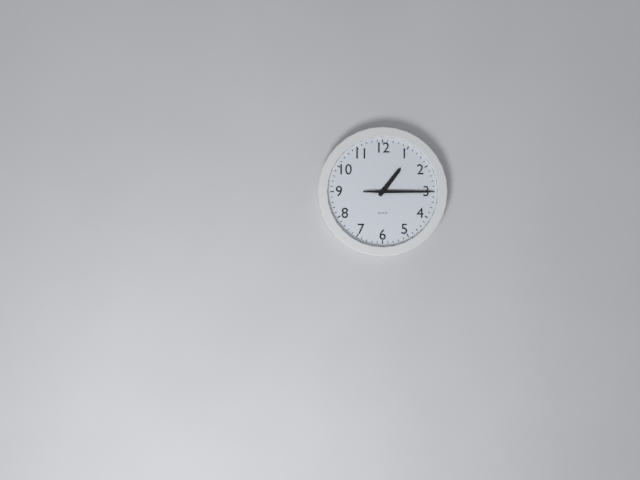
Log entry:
1 h 15 min
